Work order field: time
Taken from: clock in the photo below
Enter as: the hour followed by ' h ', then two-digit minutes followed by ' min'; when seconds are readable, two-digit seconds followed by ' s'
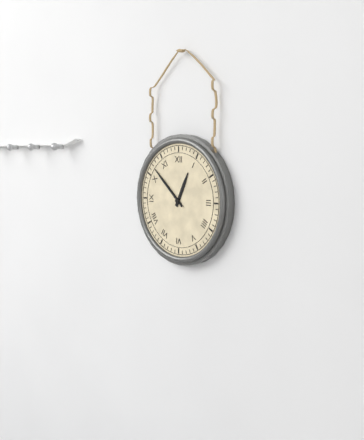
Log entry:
12 h 52 min
